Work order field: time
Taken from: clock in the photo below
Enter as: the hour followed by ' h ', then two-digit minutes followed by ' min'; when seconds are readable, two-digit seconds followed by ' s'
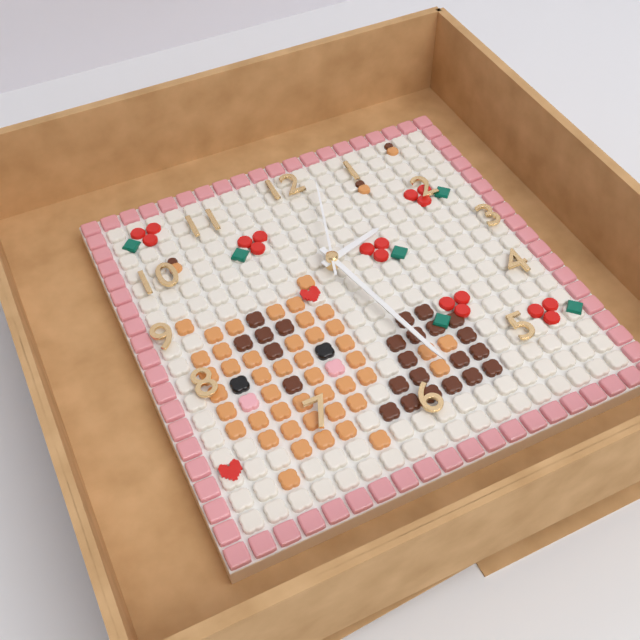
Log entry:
2 h 28 min 03 s
